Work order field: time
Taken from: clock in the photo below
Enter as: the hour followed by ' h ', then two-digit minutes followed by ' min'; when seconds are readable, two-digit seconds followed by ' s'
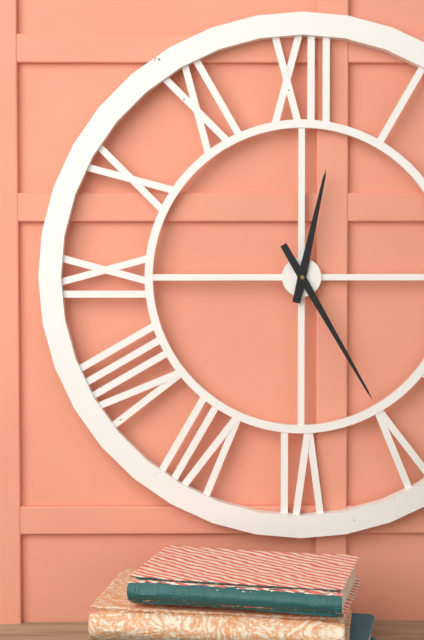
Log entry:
12 h 25 min
